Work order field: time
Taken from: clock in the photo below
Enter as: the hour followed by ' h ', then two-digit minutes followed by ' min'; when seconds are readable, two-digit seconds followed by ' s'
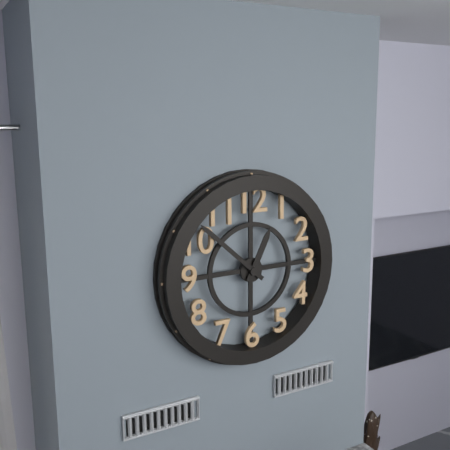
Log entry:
12 h 52 min
